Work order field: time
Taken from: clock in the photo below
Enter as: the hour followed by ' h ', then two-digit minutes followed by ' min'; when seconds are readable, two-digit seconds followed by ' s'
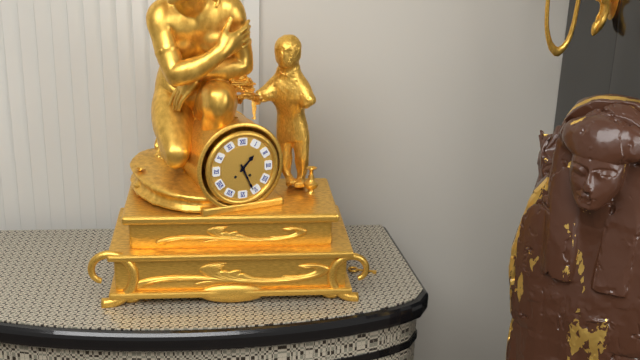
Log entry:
1 h 26 min
